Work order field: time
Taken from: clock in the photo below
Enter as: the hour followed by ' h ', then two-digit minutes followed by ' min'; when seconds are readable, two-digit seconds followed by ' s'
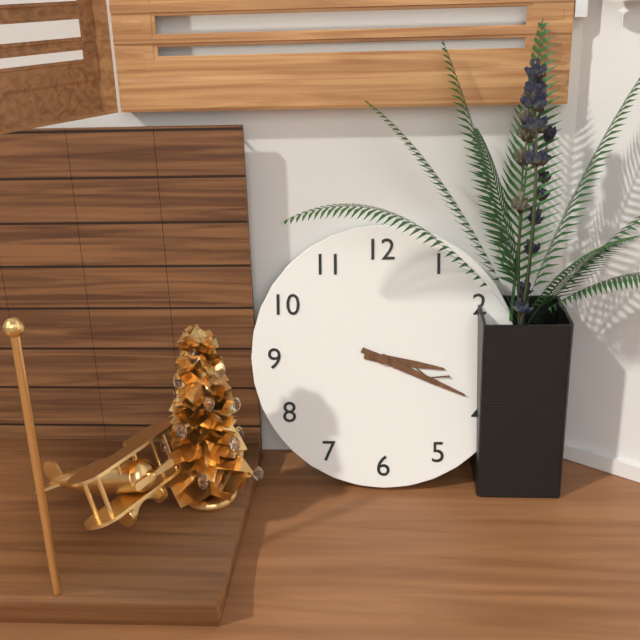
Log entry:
3 h 19 min
